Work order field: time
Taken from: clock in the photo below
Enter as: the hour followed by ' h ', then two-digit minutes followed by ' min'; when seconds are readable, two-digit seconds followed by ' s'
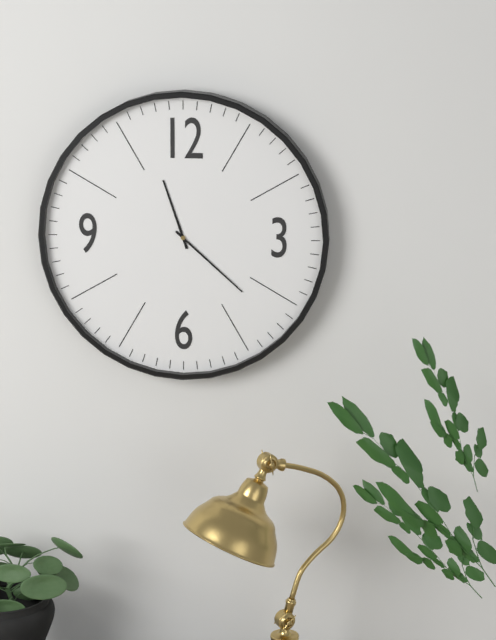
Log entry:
11 h 22 min
